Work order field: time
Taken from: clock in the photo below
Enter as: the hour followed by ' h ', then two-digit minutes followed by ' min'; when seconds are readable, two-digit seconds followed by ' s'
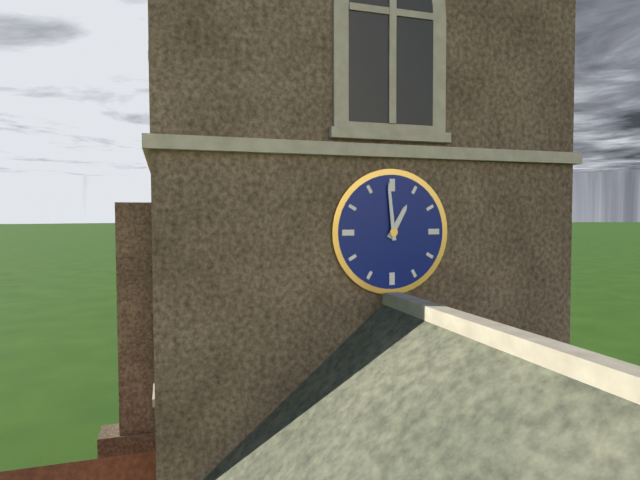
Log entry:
12 h 59 min
